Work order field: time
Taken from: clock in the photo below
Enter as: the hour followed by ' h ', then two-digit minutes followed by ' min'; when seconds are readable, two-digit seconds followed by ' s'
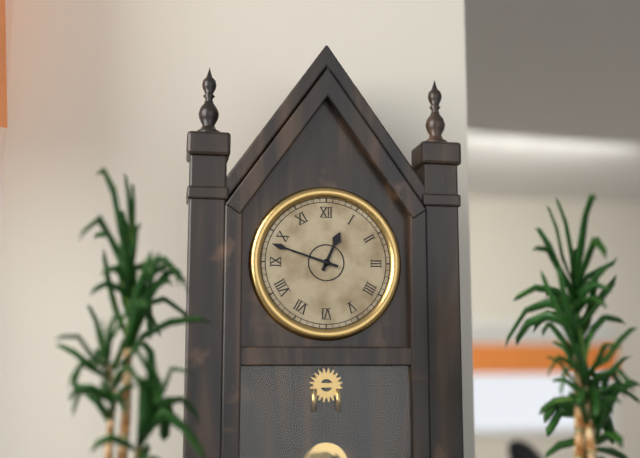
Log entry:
12 h 48 min
